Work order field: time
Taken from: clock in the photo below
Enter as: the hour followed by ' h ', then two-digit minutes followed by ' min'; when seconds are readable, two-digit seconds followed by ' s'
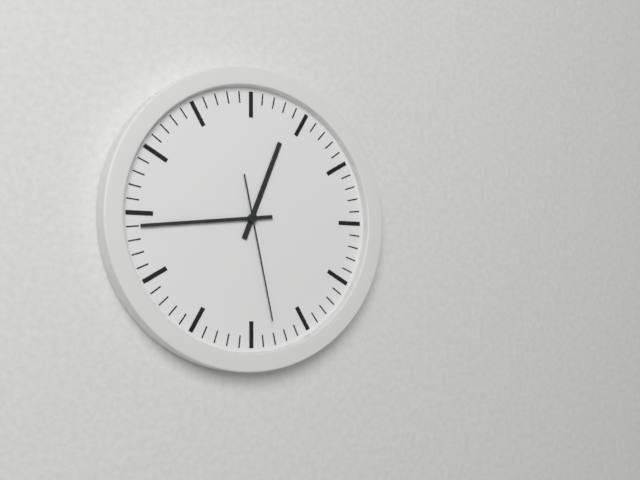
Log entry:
12 h 44 min 28 s
